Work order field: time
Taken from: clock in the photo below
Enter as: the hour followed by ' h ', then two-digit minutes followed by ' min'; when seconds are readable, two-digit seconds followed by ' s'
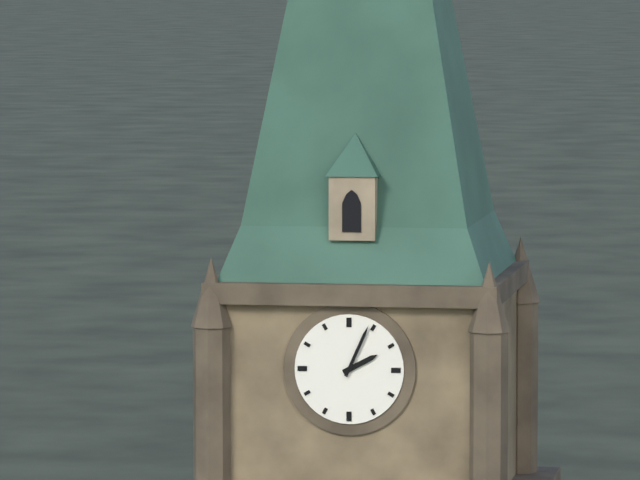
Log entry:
2 h 04 min
